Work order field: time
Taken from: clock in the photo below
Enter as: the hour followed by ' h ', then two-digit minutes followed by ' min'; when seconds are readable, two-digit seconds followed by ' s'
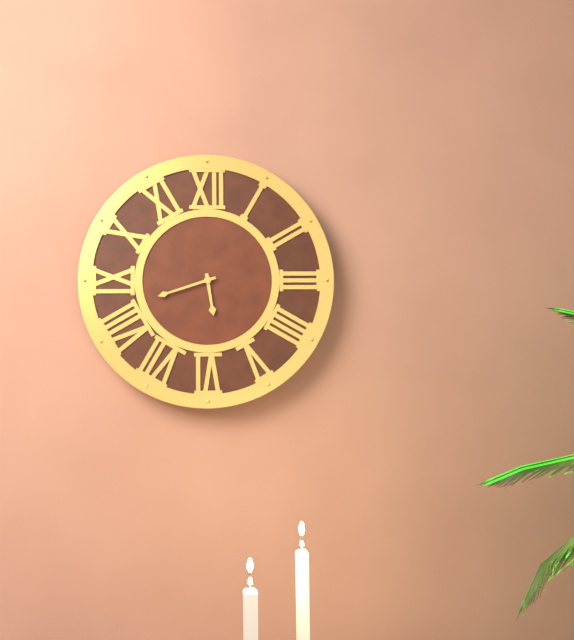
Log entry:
5 h 42 min
